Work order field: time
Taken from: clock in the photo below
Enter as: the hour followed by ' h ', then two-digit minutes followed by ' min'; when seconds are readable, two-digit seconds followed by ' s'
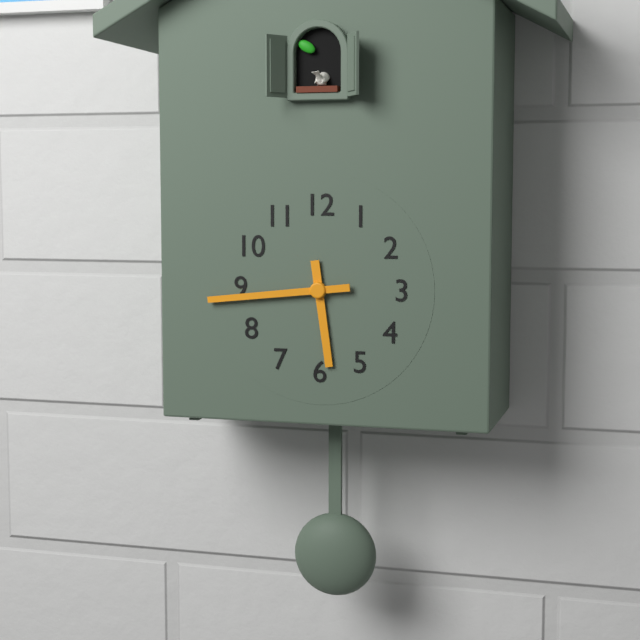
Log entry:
5 h 44 min
